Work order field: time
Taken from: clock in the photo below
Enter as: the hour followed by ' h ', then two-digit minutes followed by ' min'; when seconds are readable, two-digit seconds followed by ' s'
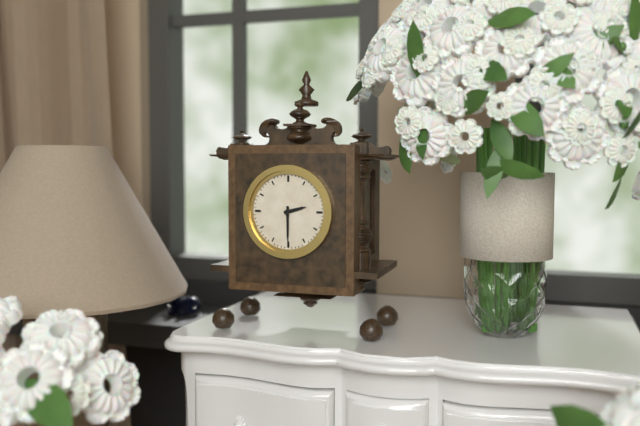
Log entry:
2 h 30 min
